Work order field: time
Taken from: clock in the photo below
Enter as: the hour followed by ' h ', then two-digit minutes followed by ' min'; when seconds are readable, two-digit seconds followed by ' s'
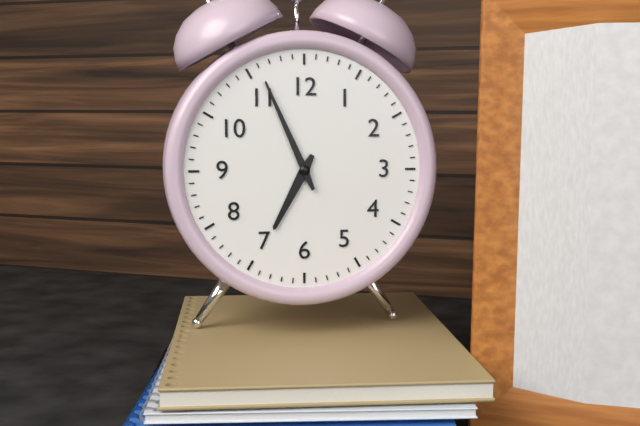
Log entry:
6 h 56 min
